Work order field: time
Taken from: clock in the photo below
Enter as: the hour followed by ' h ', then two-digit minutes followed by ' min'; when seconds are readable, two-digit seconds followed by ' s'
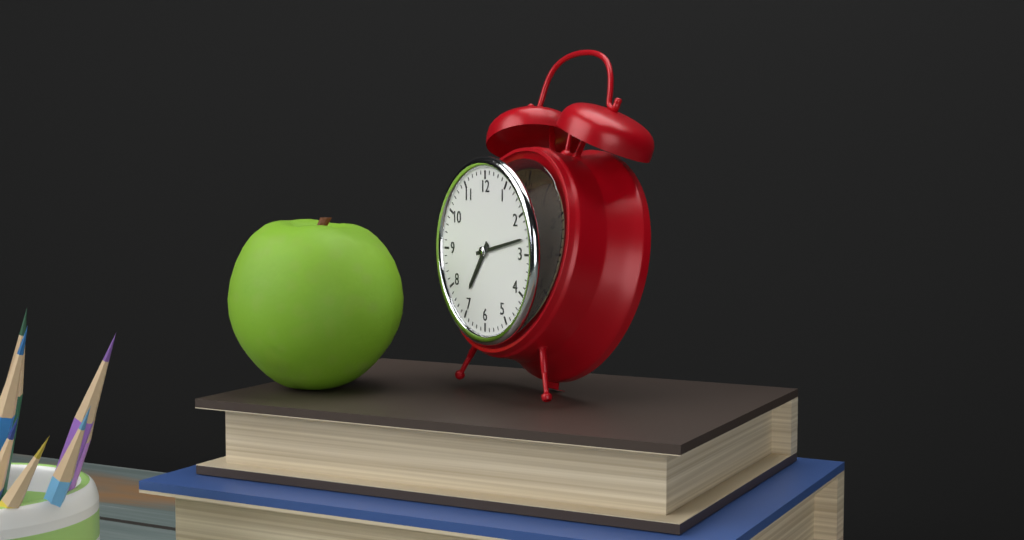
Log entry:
7 h 13 min
